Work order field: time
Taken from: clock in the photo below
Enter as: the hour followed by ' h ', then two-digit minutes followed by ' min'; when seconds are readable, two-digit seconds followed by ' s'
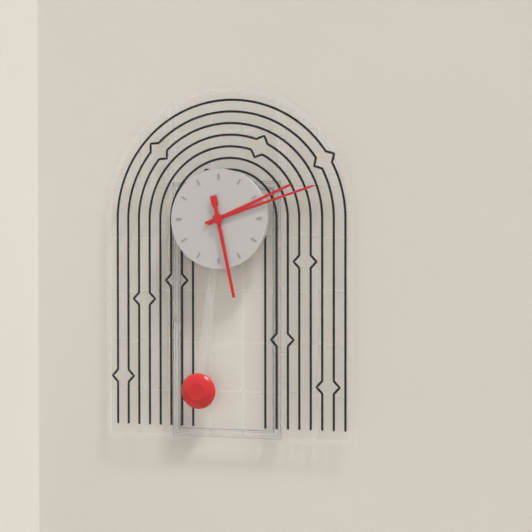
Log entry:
2 h 12 min 28 s
